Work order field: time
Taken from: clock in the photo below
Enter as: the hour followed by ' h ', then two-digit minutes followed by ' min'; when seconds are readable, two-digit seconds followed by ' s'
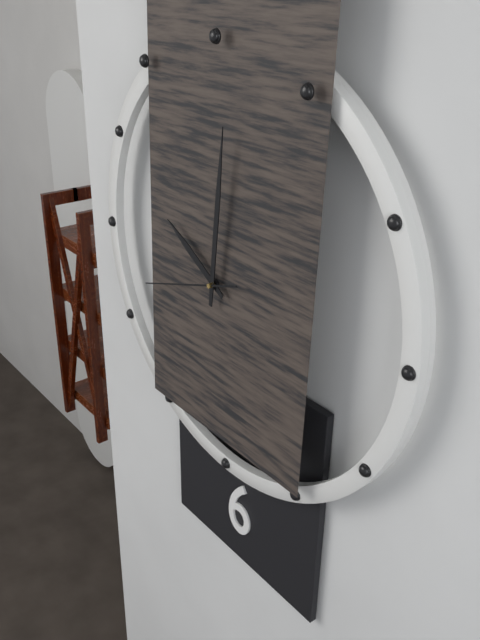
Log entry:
10 h 01 min 42 s
